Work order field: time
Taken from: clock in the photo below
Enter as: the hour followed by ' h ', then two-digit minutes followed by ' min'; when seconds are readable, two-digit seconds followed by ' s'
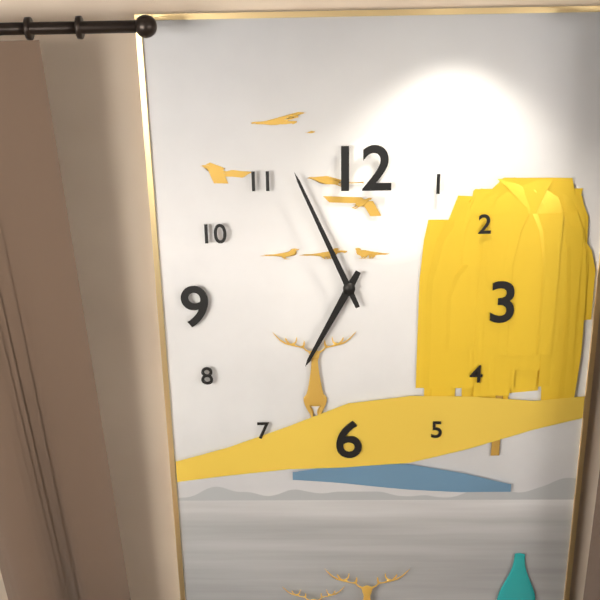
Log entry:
6 h 56 min
